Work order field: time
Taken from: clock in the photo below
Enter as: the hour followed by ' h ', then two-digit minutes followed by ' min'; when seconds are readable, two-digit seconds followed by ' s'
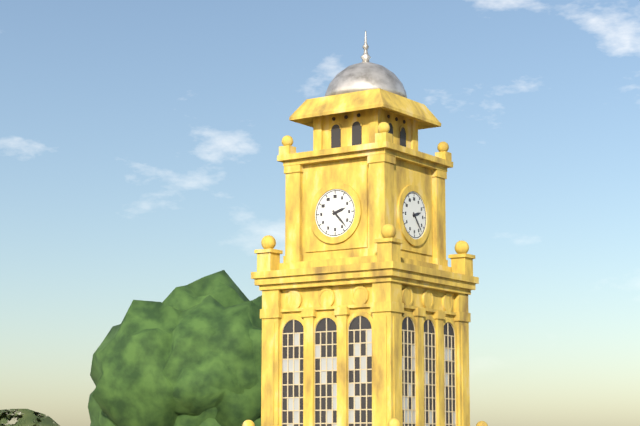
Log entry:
2 h 23 min
